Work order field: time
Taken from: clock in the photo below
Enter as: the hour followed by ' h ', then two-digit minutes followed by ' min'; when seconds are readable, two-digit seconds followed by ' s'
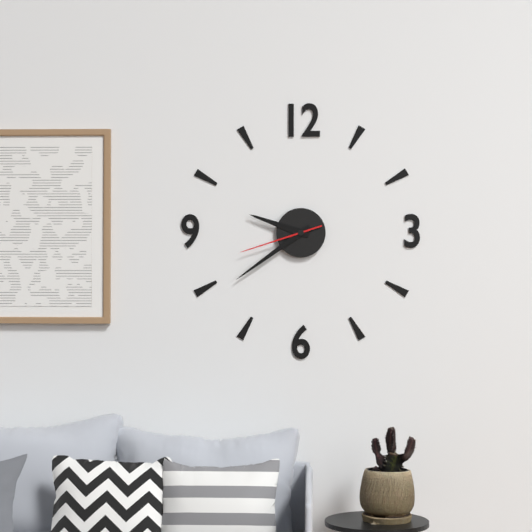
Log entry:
9 h 39 min 42 s
